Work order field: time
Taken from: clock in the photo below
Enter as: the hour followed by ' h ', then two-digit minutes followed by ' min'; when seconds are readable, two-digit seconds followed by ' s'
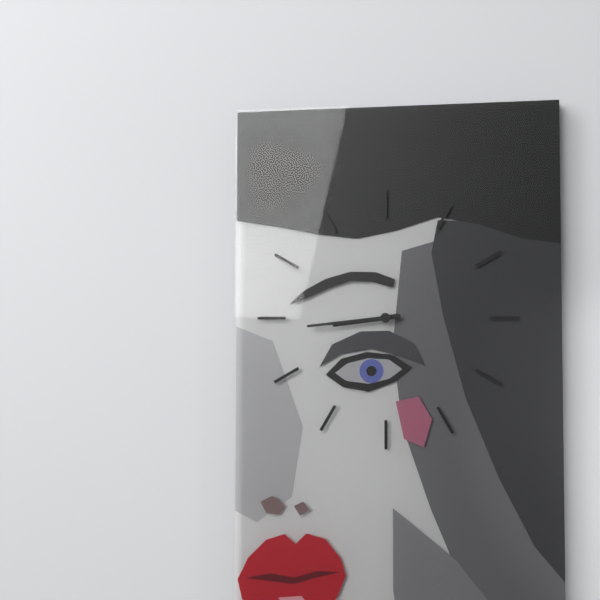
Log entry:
8 h 44 min
